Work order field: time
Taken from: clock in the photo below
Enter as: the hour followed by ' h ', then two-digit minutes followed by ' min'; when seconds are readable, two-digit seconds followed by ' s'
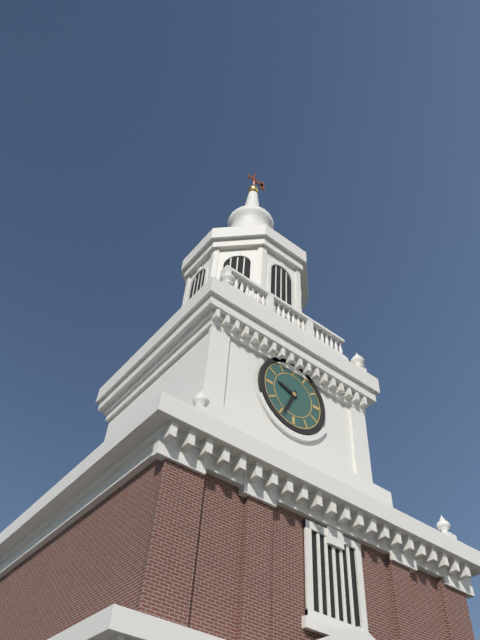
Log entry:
9 h 34 min
